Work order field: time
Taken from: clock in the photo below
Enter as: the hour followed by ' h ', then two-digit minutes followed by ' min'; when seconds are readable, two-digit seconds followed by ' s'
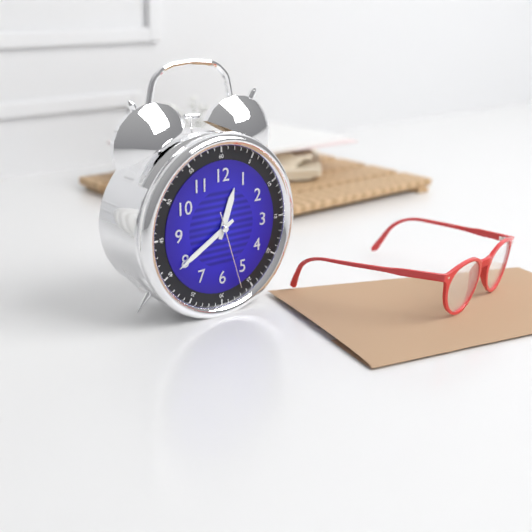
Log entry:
12 h 40 min 27 s
